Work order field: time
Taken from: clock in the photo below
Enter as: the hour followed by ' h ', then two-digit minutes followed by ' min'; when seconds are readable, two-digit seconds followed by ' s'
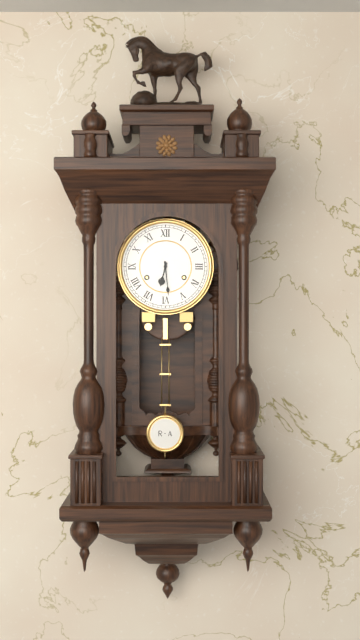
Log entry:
6 h 29 min
